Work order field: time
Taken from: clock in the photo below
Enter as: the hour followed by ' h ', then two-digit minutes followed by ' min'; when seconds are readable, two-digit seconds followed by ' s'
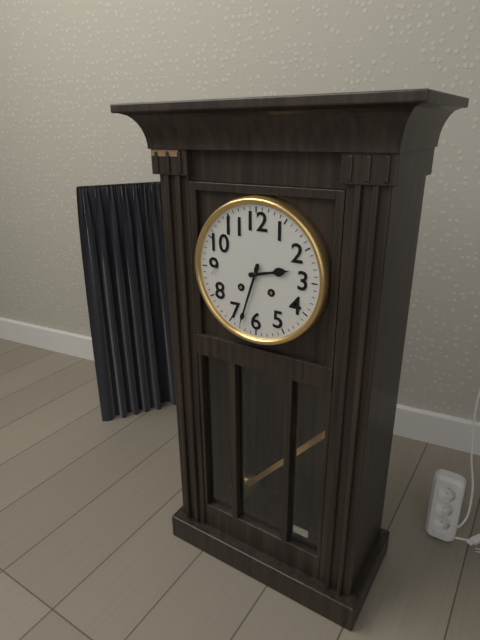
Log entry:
2 h 33 min
